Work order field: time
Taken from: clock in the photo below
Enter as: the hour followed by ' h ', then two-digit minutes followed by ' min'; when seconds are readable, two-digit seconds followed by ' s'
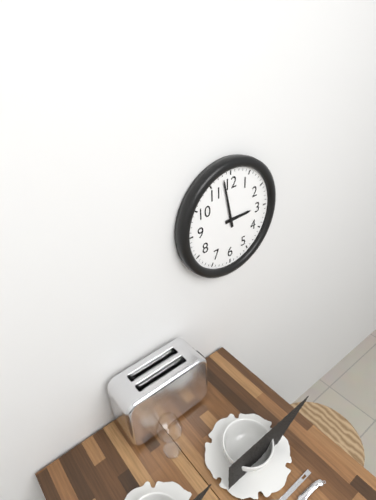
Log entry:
2 h 58 min
